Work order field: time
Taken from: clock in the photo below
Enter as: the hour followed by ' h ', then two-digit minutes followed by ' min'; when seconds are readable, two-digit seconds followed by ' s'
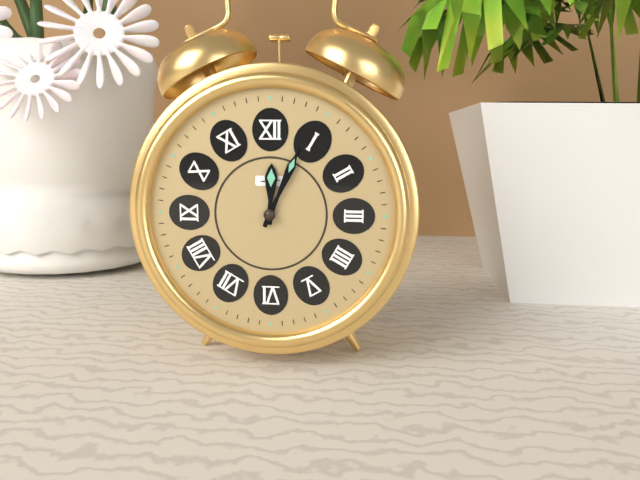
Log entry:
12 h 04 min
